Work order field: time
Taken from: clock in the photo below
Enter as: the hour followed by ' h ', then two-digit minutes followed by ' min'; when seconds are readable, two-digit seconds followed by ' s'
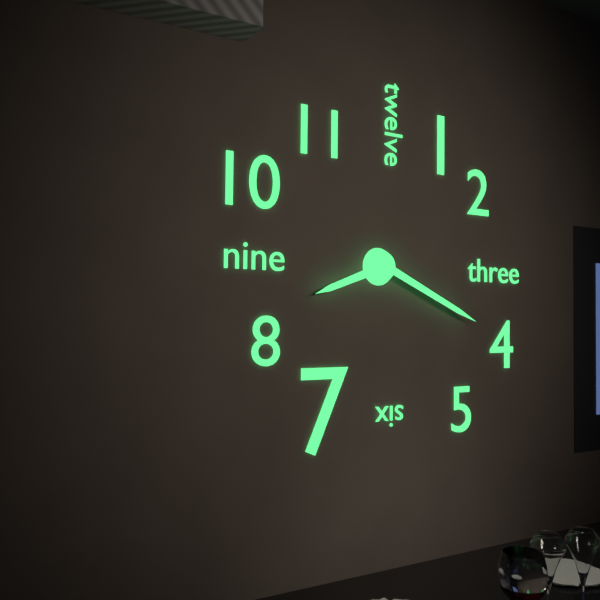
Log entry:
8 h 19 min
